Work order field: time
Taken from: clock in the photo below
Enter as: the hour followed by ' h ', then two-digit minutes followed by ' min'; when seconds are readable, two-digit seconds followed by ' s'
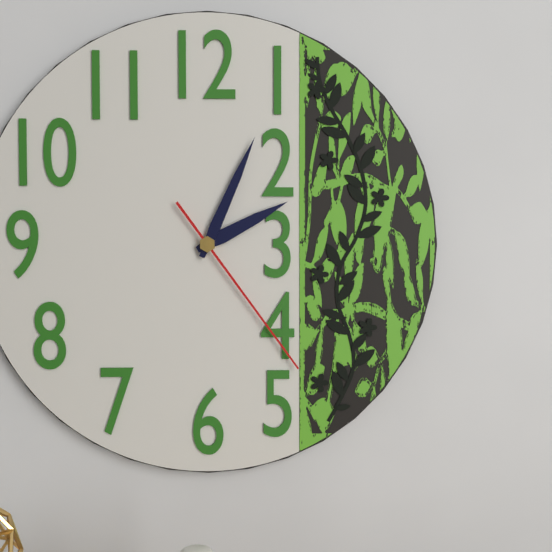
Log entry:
2 h 04 min 24 s
